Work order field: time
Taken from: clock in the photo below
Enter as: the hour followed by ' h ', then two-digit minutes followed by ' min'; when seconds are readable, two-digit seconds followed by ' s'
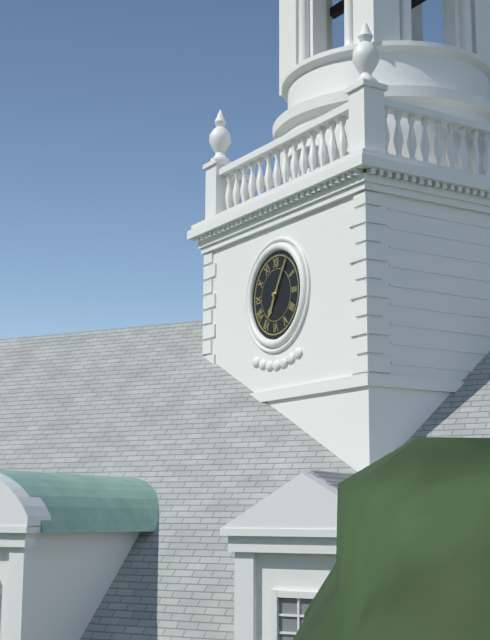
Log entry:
7 h 05 min
